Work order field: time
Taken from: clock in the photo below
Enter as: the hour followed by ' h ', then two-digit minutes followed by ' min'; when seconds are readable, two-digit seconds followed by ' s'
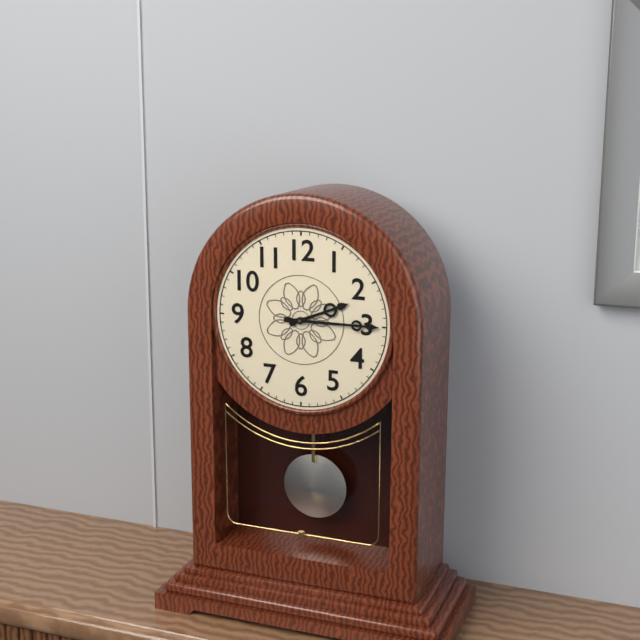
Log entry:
2 h 15 min
